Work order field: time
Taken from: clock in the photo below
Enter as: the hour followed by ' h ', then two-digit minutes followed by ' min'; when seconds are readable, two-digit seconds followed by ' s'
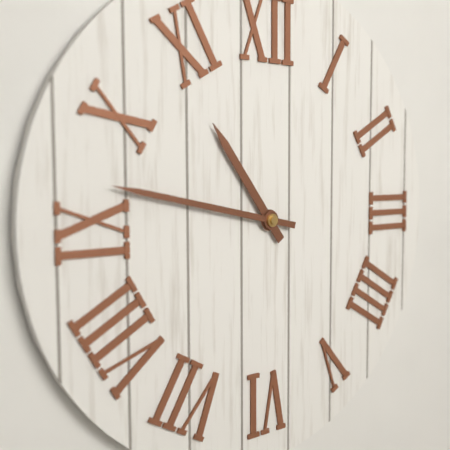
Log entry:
10 h 47 min
